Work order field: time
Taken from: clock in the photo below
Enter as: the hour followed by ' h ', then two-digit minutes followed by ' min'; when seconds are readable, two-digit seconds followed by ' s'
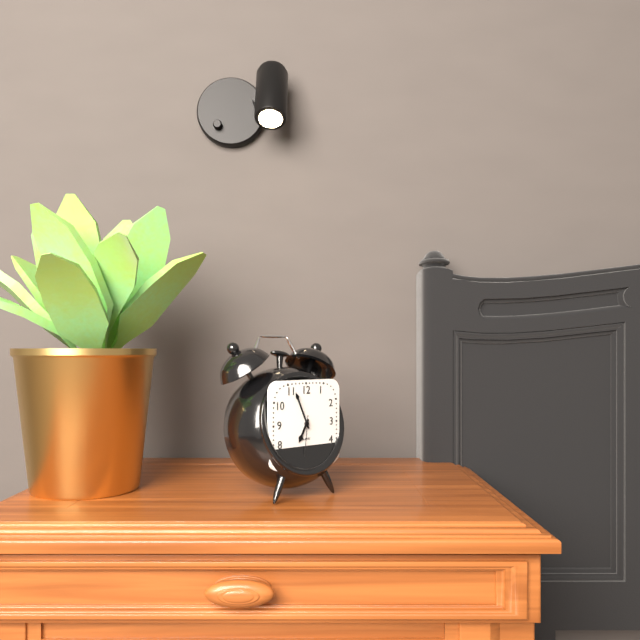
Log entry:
6 h 56 min
